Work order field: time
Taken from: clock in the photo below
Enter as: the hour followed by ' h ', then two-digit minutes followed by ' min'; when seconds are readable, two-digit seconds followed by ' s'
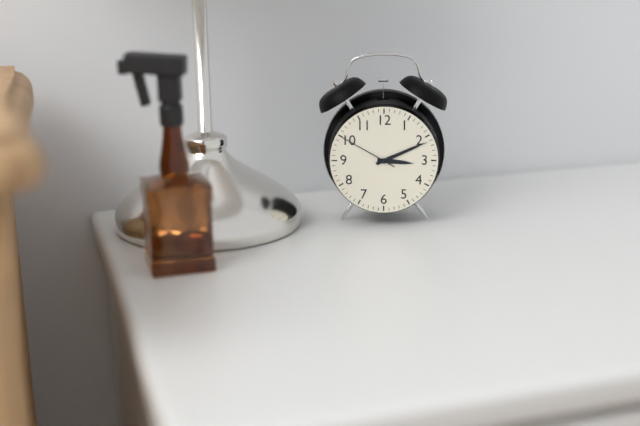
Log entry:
3 h 11 min 50 s
